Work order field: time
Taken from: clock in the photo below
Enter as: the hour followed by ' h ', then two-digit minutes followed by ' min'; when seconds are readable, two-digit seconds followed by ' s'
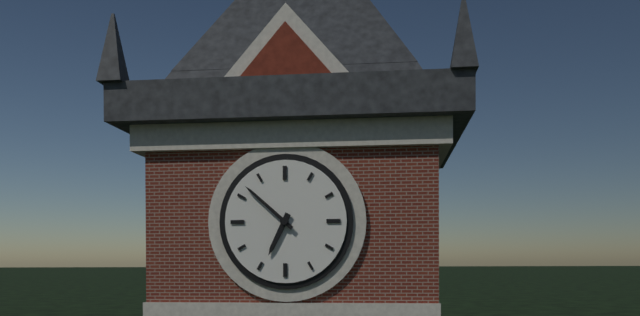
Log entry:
6 h 52 min
